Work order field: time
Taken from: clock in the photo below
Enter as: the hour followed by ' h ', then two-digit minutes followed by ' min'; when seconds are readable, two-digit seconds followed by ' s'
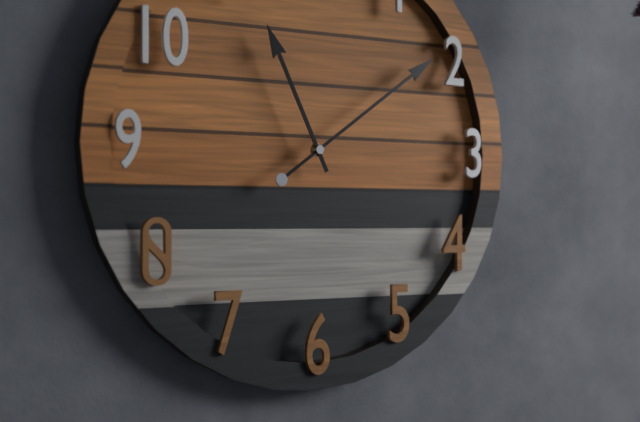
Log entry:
11 h 09 min
